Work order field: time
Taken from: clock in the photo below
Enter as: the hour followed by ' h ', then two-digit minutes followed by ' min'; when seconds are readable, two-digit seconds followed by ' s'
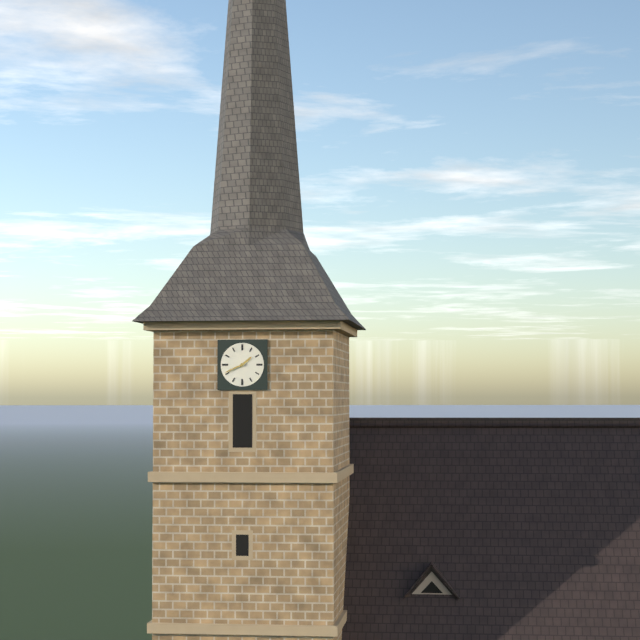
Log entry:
1 h 41 min
